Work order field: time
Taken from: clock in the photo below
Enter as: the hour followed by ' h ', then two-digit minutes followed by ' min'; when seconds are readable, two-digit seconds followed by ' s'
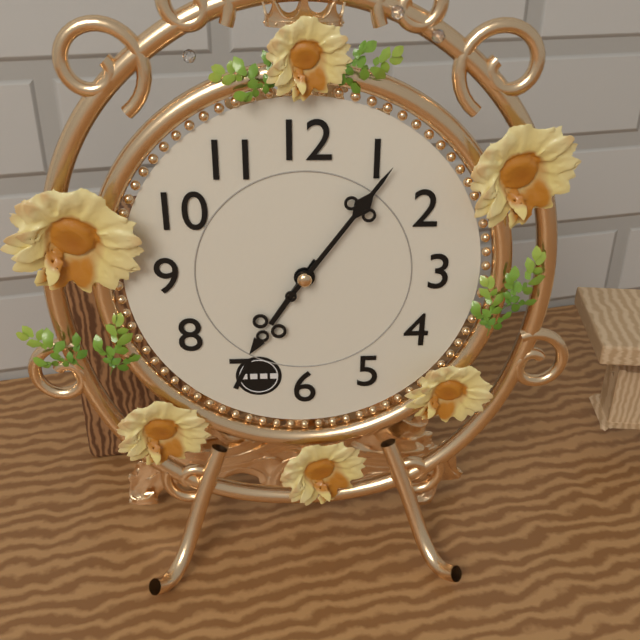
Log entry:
7 h 06 min
